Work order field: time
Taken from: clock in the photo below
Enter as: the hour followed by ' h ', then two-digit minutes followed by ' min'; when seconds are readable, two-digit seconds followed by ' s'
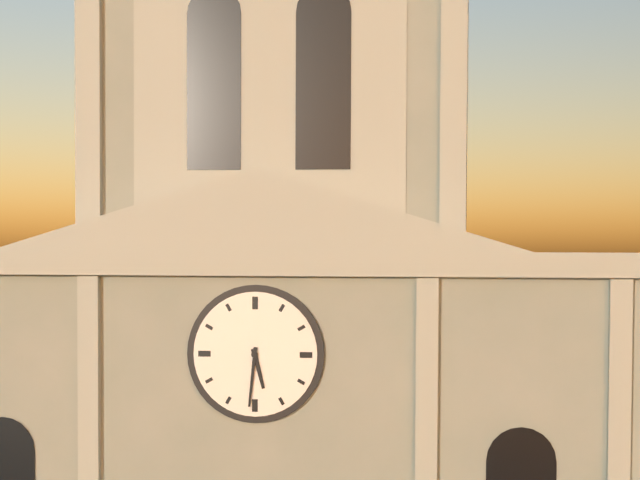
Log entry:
5 h 31 min
